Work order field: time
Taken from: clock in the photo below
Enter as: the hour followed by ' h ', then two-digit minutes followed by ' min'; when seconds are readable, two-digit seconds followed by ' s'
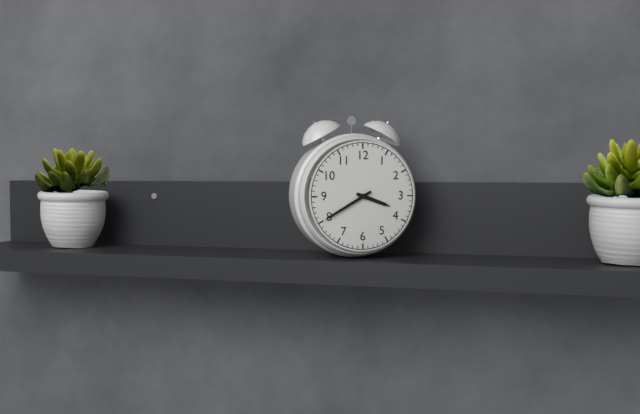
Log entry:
3 h 40 min
